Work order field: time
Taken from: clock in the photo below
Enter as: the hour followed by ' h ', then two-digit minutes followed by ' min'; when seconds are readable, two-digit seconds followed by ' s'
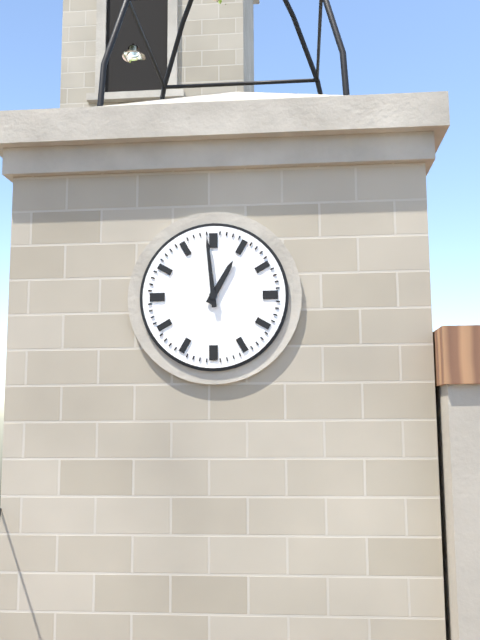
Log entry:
12 h 59 min
